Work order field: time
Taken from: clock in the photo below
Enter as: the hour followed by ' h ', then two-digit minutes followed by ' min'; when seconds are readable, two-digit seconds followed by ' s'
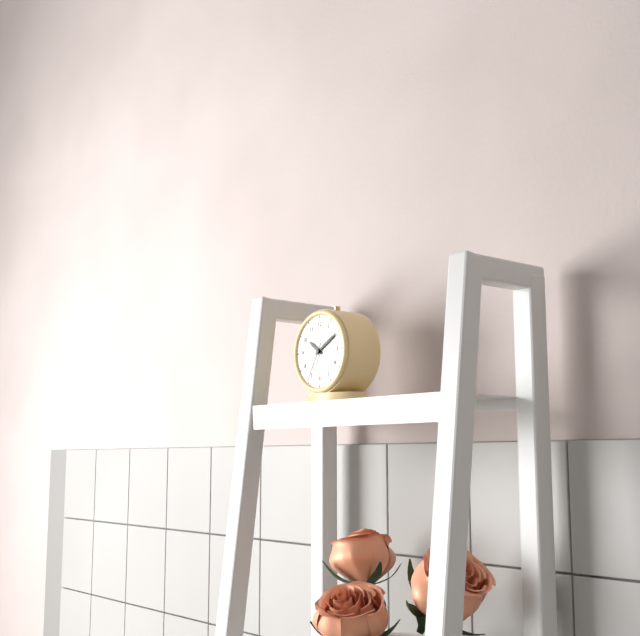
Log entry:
10 h 10 min
